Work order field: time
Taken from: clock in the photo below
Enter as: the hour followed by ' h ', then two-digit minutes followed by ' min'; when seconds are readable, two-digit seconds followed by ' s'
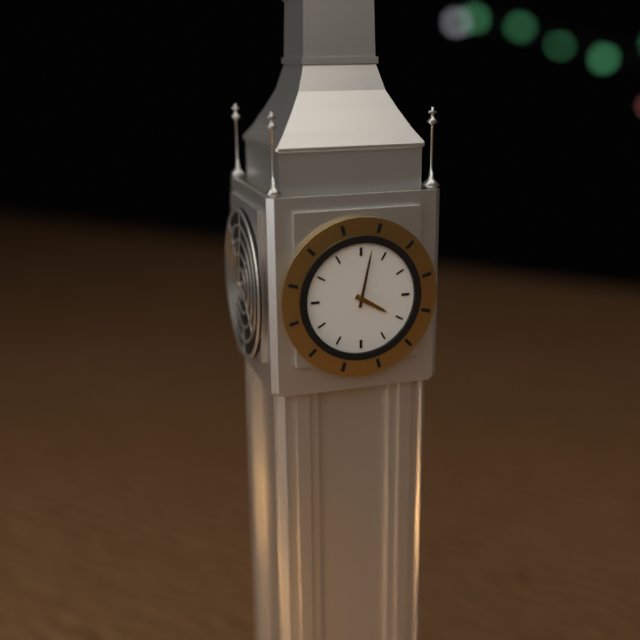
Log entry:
4 h 02 min
